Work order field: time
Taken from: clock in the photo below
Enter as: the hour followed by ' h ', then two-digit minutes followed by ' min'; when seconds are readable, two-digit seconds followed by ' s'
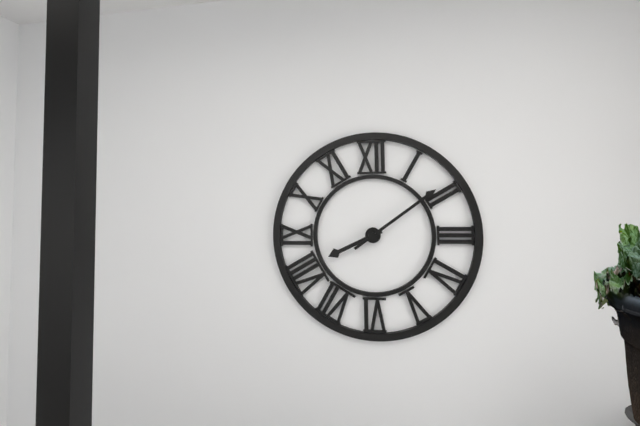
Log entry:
8 h 09 min
